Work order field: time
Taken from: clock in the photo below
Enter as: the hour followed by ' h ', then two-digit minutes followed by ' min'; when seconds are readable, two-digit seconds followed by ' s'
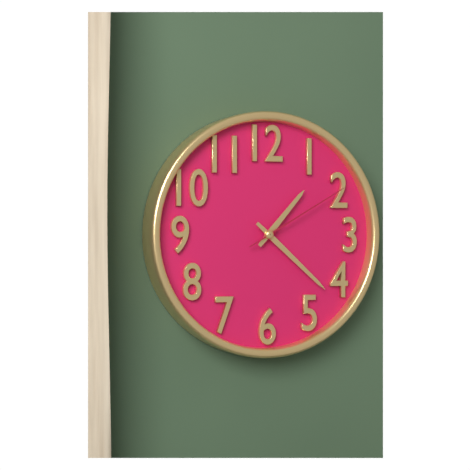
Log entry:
1 h 22 min 10 s
